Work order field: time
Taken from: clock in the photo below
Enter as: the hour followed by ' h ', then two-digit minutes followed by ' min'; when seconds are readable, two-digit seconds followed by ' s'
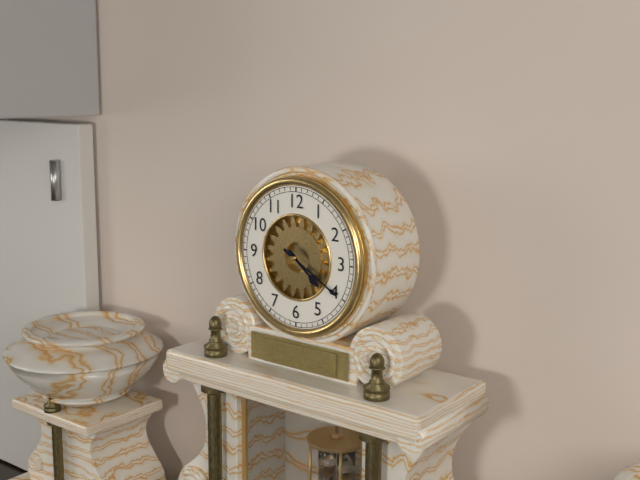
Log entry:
4 h 20 min
